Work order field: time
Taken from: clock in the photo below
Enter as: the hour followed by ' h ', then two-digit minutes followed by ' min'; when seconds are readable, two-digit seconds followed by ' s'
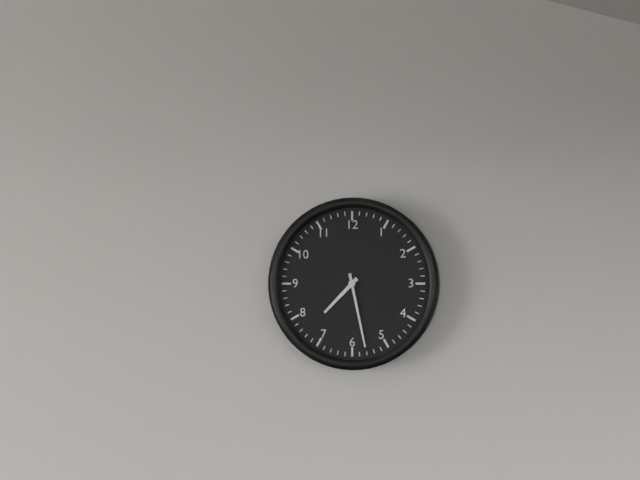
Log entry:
7 h 28 min
